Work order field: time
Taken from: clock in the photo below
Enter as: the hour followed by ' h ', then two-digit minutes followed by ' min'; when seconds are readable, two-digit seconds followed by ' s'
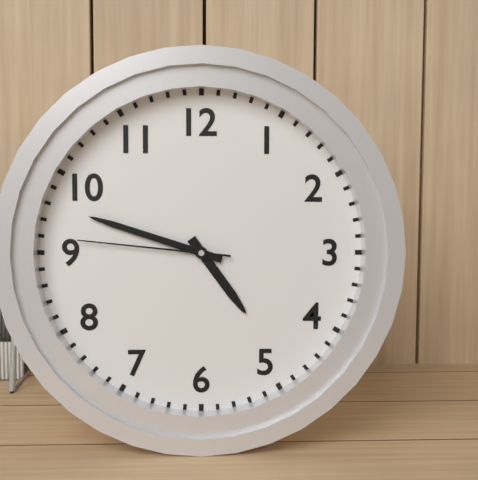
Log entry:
4 h 48 min 46 s
